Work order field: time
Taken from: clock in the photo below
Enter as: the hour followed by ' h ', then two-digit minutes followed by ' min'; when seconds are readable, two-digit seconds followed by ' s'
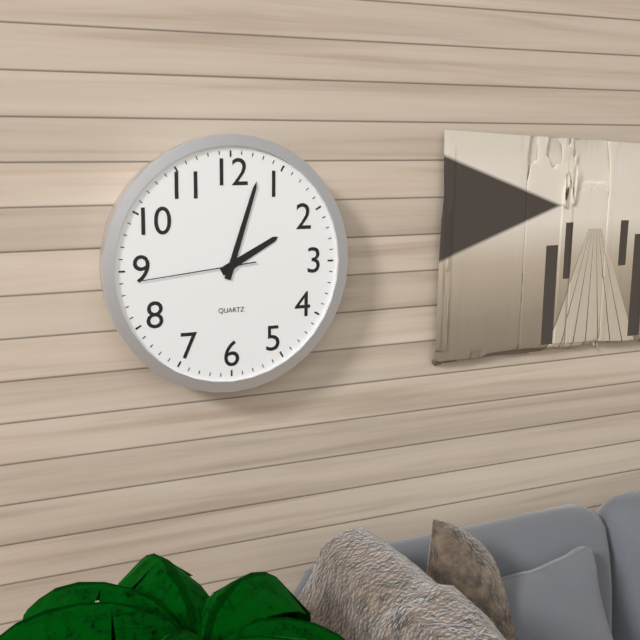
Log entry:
2 h 03 min 44 s
